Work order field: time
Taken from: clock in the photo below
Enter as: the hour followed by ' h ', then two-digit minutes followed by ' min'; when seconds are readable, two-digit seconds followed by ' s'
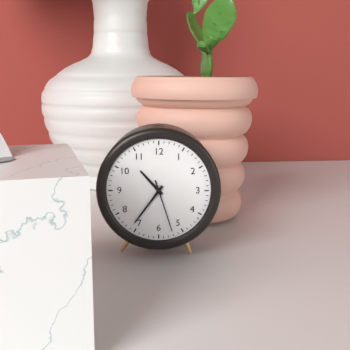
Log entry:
10 h 36 min 27 s
